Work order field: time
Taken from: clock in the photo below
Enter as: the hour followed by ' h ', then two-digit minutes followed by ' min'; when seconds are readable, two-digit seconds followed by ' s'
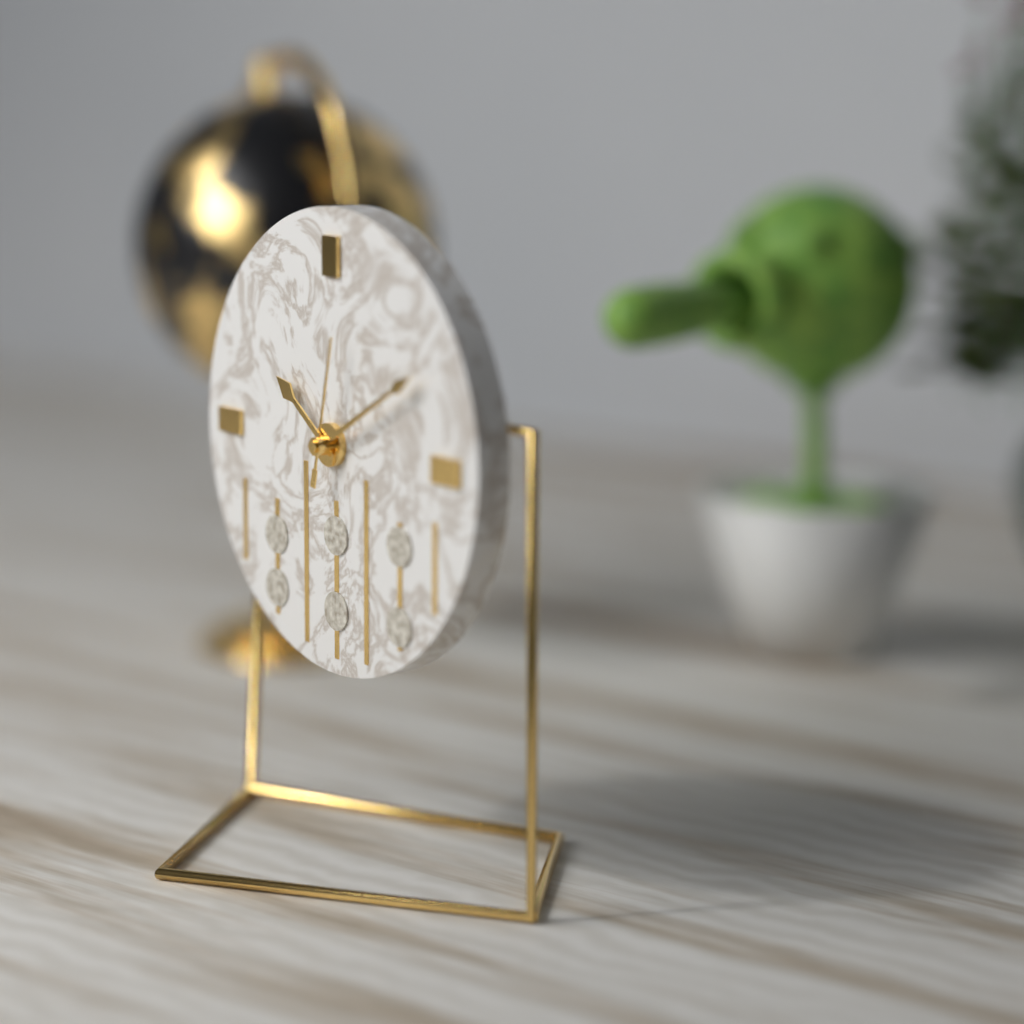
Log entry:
10 h 10 min 02 s
